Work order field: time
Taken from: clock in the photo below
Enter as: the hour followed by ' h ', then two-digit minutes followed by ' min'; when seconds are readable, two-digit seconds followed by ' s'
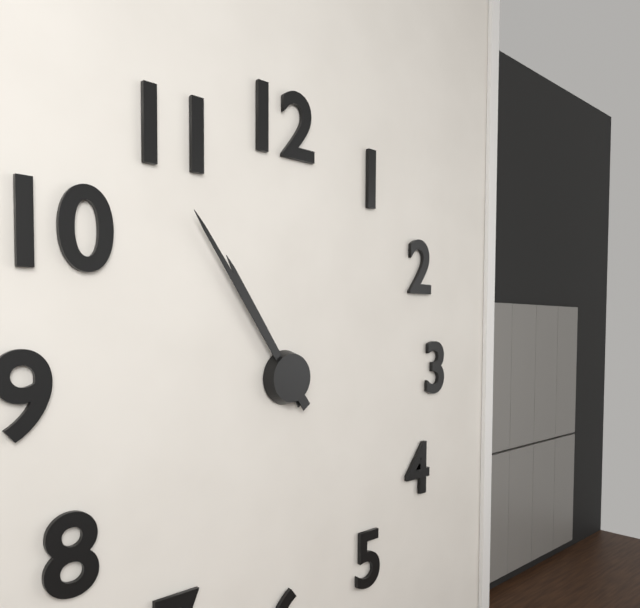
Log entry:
10 h 54 min
